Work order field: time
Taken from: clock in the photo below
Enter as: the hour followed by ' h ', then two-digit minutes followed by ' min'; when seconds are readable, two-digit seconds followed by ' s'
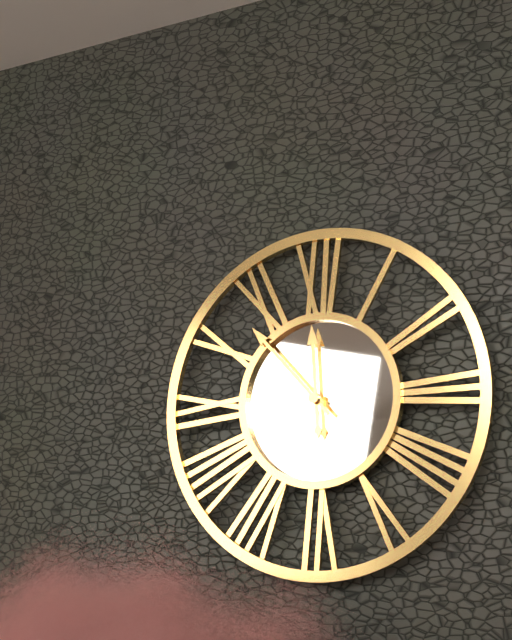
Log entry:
11 h 53 min
